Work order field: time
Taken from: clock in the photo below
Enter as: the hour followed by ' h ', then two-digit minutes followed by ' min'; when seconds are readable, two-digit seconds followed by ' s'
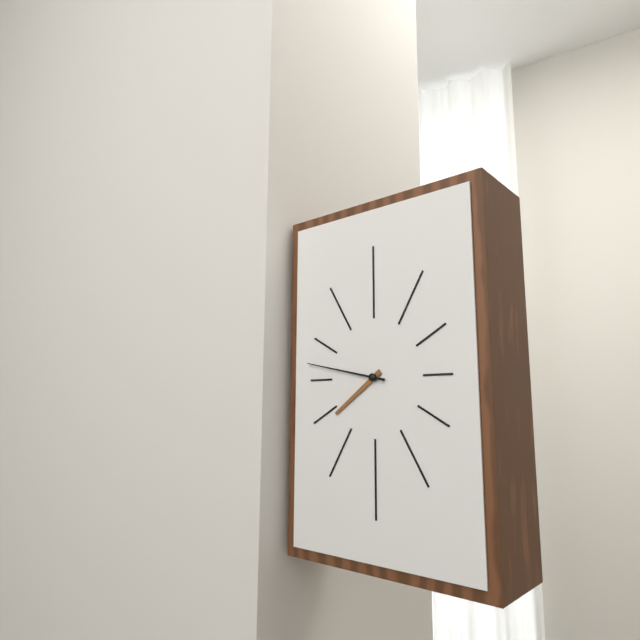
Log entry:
7 h 47 min
